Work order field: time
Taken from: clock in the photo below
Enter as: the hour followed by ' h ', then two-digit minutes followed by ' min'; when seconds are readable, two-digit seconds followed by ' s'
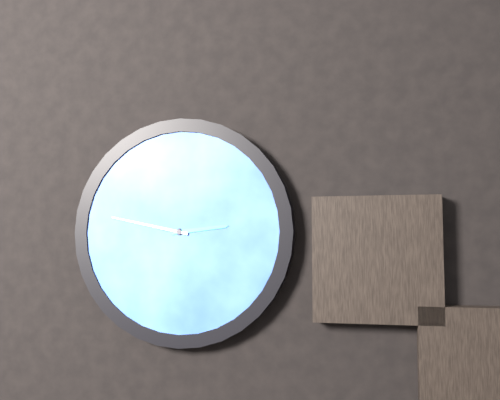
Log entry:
2 h 47 min
